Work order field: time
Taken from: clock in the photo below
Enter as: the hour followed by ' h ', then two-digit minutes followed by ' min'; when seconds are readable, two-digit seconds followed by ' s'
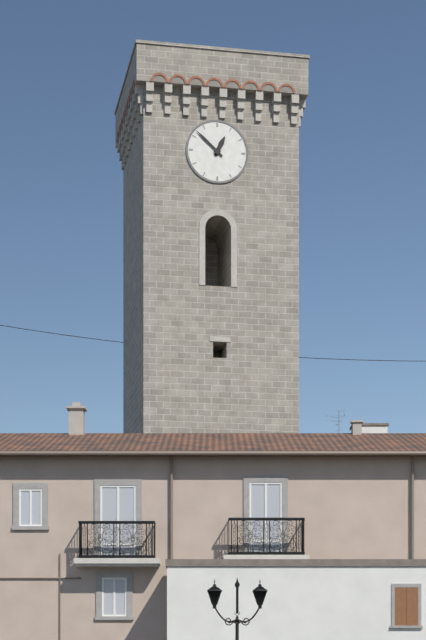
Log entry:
12 h 52 min
